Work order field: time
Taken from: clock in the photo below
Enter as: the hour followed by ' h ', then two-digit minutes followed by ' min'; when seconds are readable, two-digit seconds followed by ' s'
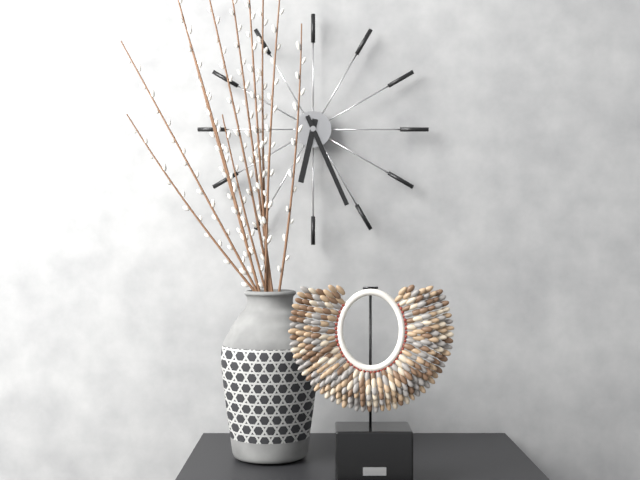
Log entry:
6 h 26 min
